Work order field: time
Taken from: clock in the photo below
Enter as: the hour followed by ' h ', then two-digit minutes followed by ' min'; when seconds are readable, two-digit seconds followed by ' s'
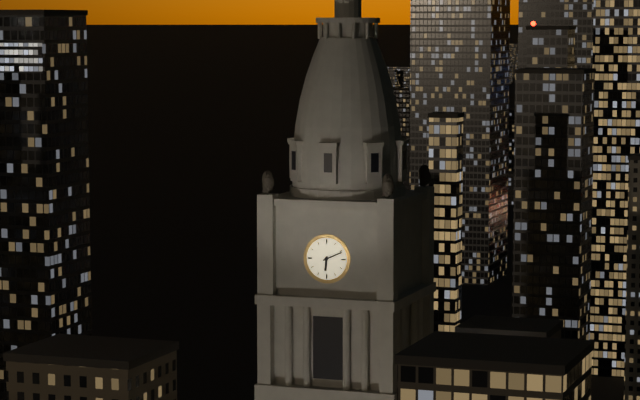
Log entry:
6 h 11 min
